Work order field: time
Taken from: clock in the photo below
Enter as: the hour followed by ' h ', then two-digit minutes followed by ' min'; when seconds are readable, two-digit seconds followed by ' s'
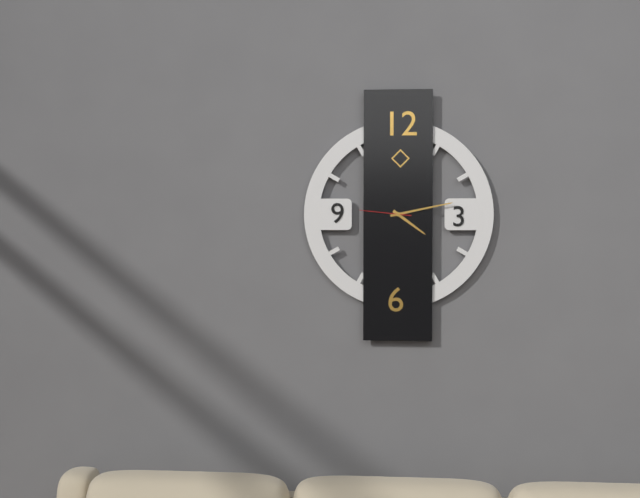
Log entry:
4 h 13 min
